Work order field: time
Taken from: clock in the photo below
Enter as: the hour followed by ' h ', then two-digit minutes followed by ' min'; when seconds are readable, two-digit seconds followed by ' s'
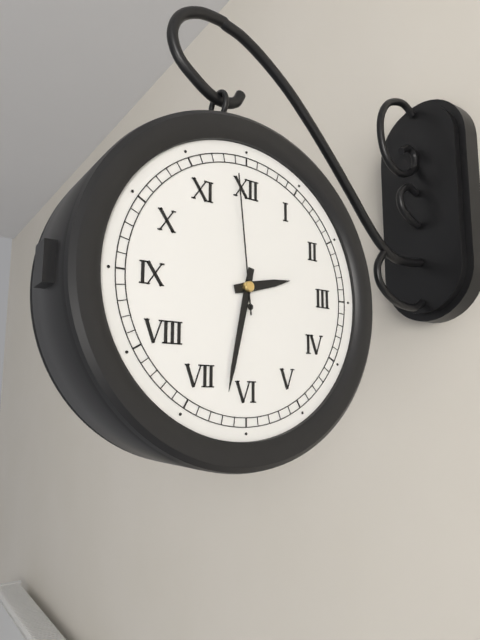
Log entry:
2 h 32 min 59 s
